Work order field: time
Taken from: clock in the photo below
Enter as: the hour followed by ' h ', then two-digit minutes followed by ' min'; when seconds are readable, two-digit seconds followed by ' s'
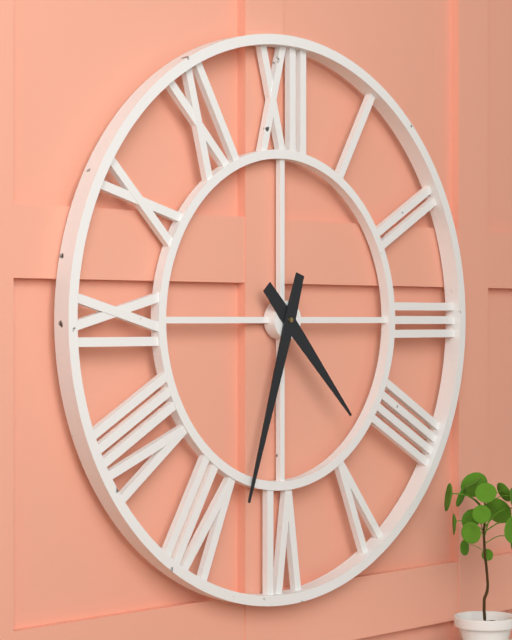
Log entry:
4 h 33 min
